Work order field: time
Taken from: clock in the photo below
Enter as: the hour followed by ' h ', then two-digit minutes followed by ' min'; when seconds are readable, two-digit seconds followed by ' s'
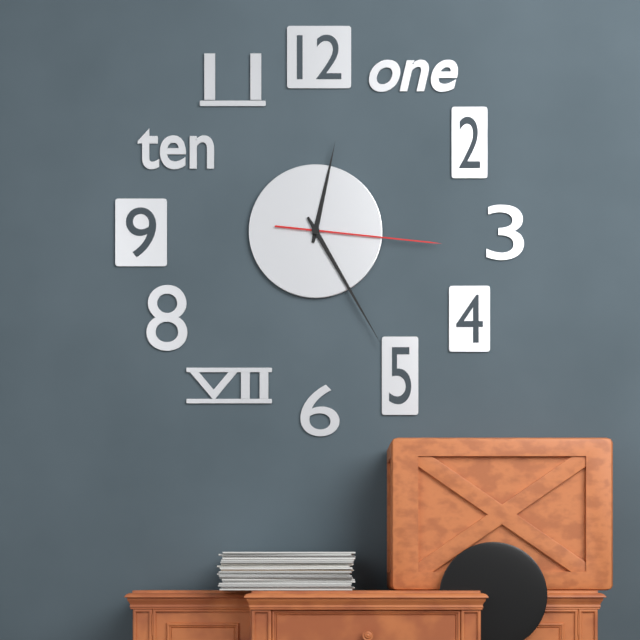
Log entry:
12 h 25 min 16 s
